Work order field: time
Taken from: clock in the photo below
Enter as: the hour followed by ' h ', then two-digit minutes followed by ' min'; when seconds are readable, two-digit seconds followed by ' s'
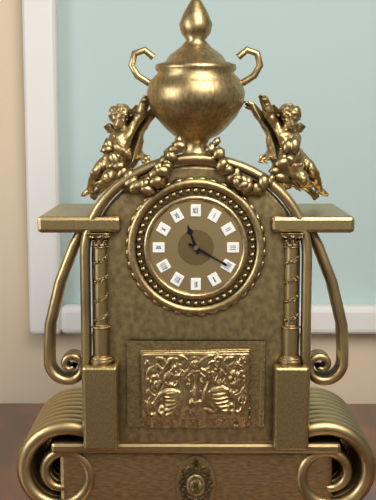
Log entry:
11 h 20 min
